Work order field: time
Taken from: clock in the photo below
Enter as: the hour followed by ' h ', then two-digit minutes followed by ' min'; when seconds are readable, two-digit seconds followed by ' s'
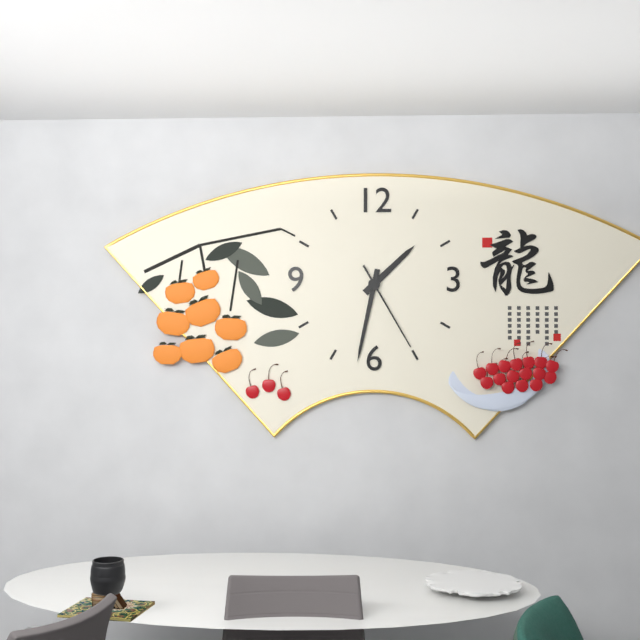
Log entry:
1 h 32 min 25 s
